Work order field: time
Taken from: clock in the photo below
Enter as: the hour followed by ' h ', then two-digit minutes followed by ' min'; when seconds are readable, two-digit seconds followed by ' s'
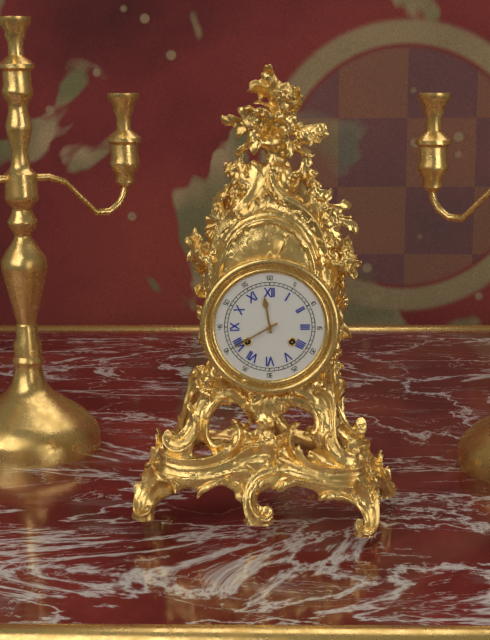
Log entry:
11 h 40 min
